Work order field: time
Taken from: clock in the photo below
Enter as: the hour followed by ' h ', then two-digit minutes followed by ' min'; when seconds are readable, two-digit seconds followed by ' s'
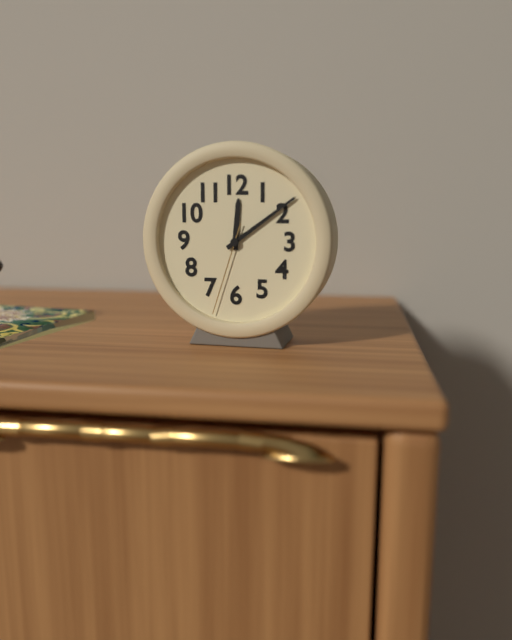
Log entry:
12 h 09 min 33 s
